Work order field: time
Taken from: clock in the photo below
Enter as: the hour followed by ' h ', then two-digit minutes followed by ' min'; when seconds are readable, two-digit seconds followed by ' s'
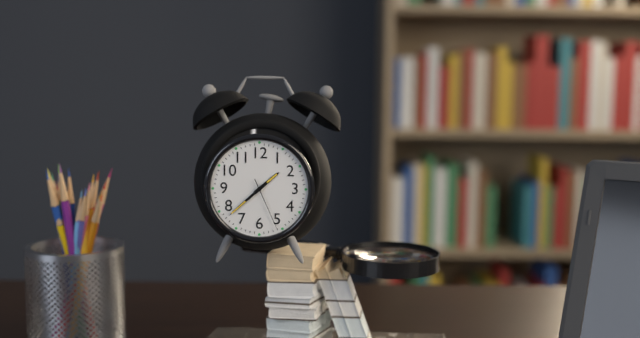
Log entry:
1 h 38 min 26 s
